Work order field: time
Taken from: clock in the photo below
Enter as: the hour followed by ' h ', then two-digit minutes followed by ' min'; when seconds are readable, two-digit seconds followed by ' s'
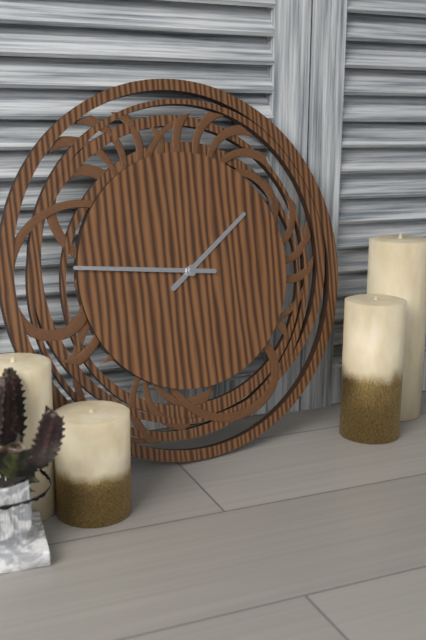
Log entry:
1 h 46 min
